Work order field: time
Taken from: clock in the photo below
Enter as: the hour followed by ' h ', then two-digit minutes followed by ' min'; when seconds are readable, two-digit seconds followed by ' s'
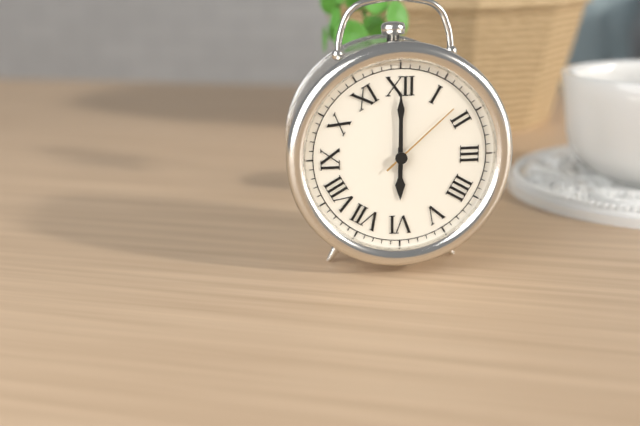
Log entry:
6 h 00 min 08 s
